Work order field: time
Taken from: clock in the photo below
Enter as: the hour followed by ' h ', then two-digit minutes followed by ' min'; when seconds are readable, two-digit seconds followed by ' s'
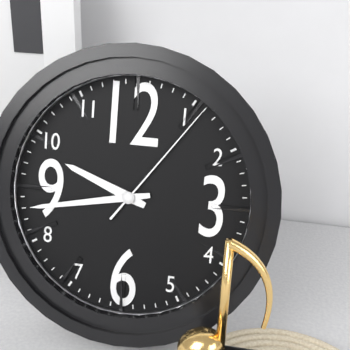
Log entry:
9 h 43 min 06 s
